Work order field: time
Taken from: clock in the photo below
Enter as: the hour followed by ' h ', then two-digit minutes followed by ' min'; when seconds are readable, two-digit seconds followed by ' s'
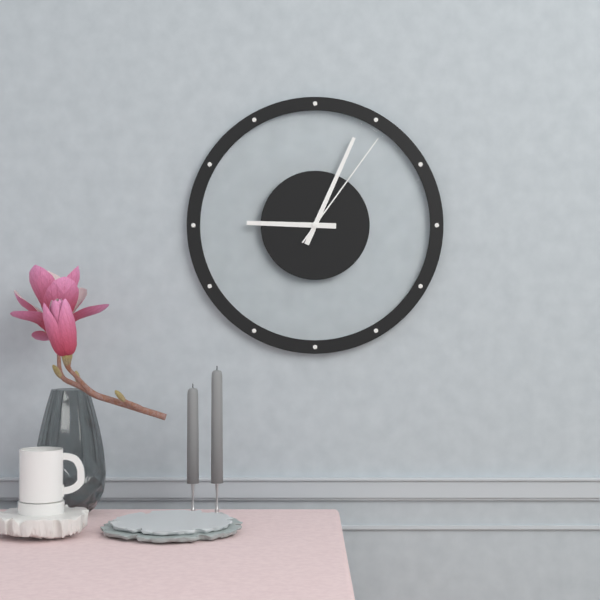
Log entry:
9 h 04 min 06 s
